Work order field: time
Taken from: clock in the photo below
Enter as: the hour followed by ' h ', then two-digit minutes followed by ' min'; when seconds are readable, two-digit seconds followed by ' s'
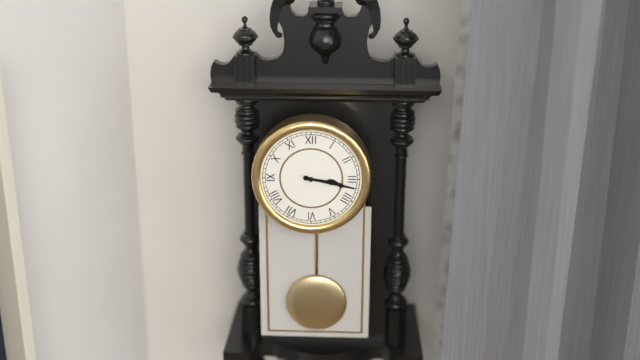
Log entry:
3 h 17 min
